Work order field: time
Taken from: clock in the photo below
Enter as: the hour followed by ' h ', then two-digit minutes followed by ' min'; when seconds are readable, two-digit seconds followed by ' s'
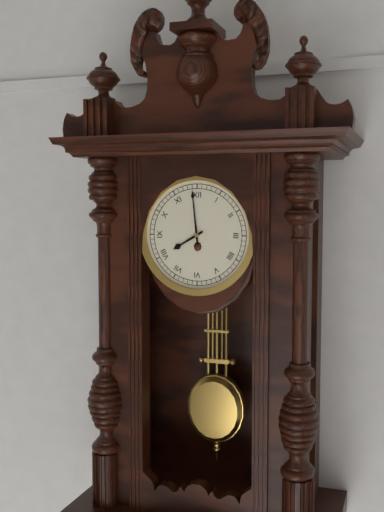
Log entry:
7 h 59 min
